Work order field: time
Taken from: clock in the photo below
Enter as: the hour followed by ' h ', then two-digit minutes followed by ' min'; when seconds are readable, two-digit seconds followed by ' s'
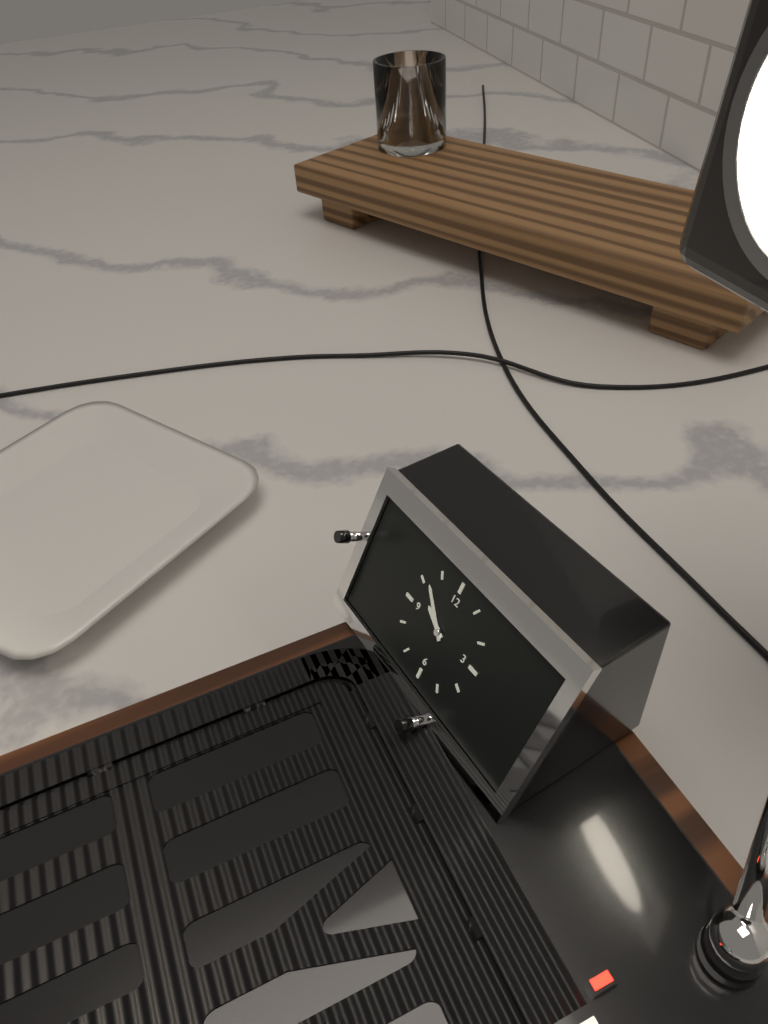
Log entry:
9 h 52 min
